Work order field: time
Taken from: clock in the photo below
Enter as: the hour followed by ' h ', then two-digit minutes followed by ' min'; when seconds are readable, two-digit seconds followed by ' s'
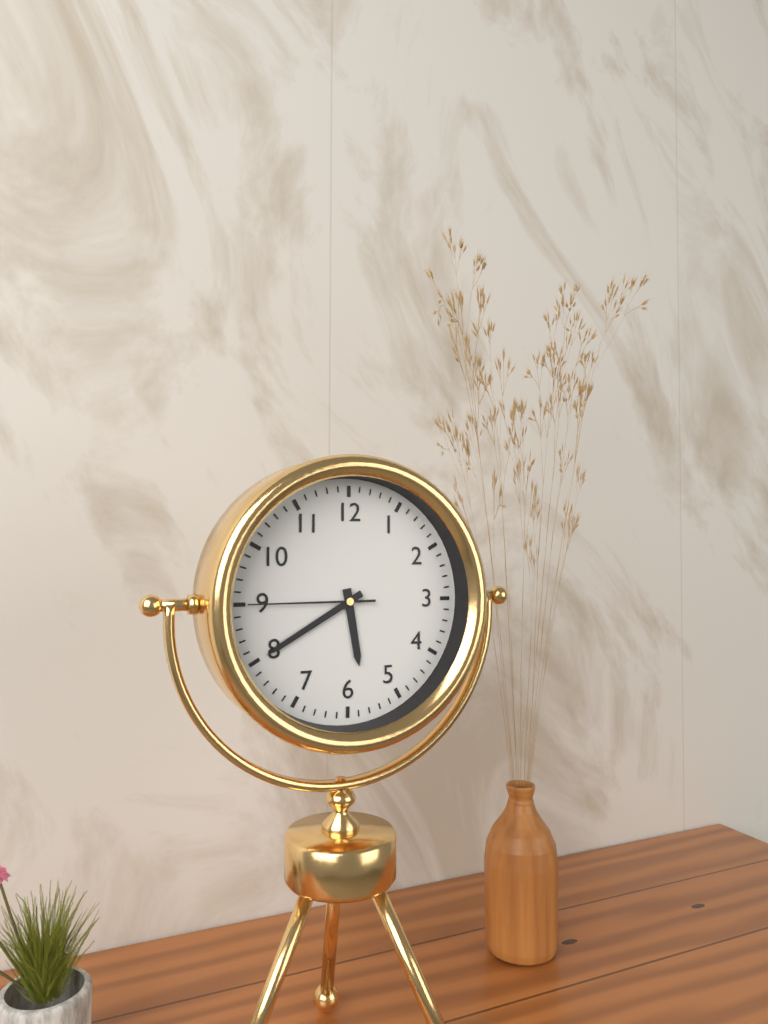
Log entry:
5 h 40 min 45 s
